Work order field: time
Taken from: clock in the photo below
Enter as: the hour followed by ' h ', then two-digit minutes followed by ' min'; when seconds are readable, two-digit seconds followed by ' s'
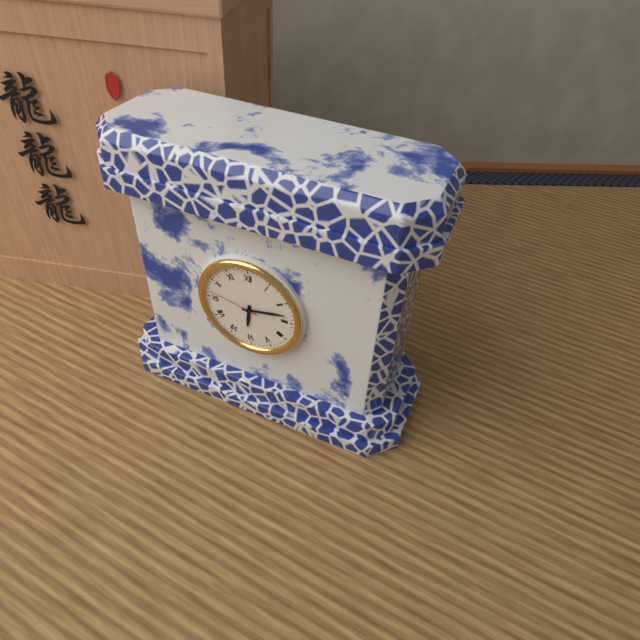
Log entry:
6 h 13 min 47 s
